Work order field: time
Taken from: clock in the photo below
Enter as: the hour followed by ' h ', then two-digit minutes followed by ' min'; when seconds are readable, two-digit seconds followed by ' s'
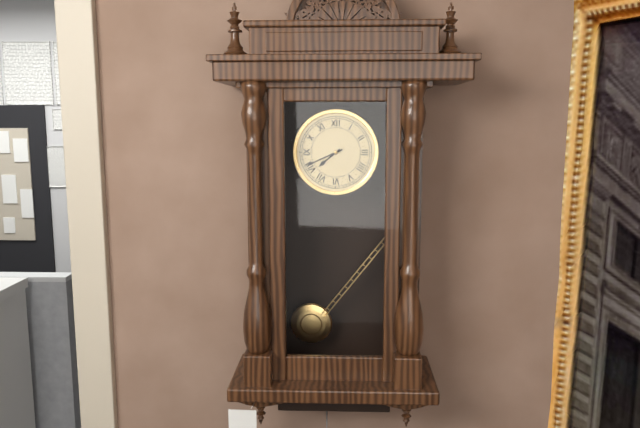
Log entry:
7 h 41 min
